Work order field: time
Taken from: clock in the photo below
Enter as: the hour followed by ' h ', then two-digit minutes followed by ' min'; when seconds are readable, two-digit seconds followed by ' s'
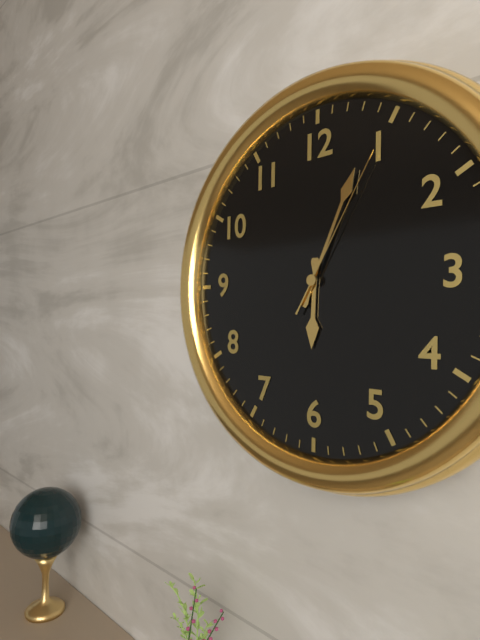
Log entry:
6 h 04 min 05 s
